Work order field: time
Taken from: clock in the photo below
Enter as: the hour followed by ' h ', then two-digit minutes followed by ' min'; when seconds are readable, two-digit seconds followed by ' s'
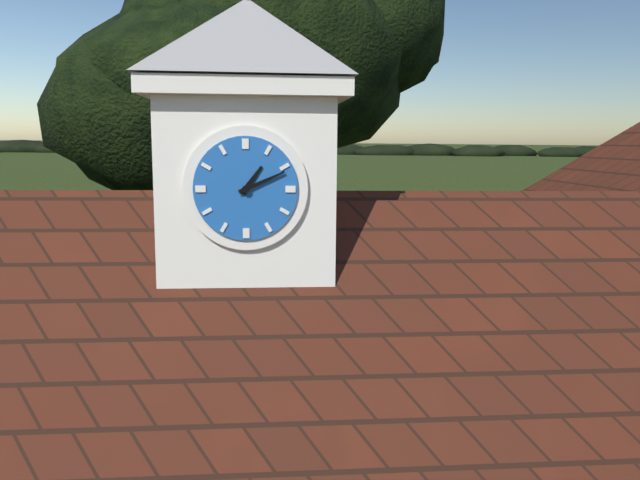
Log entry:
1 h 11 min
